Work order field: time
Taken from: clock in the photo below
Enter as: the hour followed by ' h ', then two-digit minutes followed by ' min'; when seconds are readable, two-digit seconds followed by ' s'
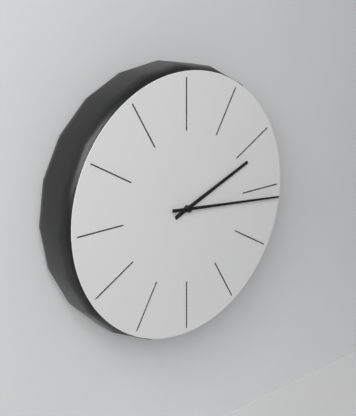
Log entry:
2 h 16 min
